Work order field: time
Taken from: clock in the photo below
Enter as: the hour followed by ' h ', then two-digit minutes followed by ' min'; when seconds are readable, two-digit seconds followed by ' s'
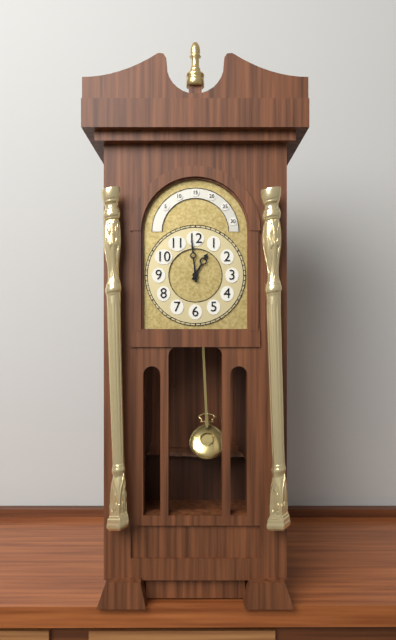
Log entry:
12 h 59 min
